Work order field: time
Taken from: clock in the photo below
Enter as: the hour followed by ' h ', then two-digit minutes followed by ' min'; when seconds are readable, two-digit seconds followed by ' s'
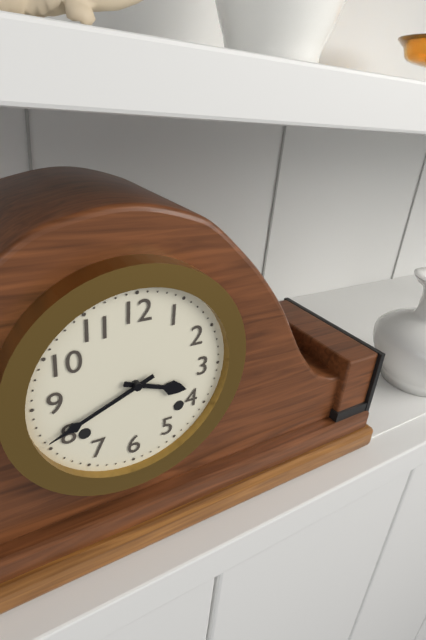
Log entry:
3 h 41 min
